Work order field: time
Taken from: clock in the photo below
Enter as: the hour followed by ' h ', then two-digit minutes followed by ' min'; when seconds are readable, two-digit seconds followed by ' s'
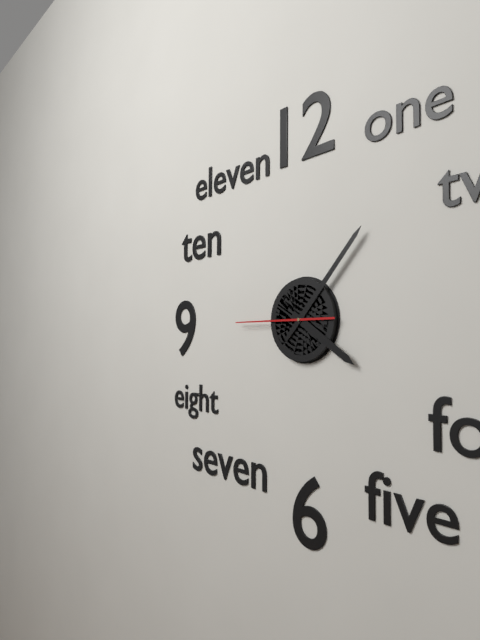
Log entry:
4 h 07 min 45 s
